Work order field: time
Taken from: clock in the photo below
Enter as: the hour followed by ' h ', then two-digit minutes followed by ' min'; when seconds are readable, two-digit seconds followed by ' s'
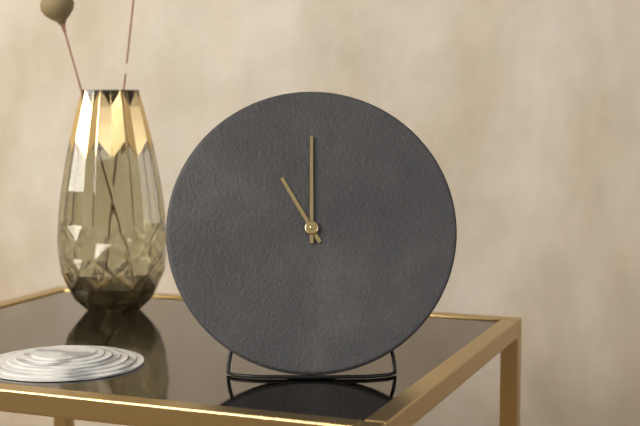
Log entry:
11 h 00 min
